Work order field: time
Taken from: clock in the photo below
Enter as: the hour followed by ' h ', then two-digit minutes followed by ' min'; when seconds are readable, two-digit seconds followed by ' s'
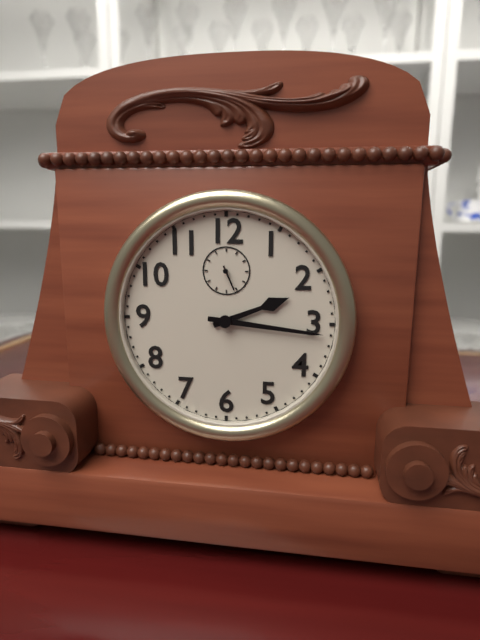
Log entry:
2 h 16 min
